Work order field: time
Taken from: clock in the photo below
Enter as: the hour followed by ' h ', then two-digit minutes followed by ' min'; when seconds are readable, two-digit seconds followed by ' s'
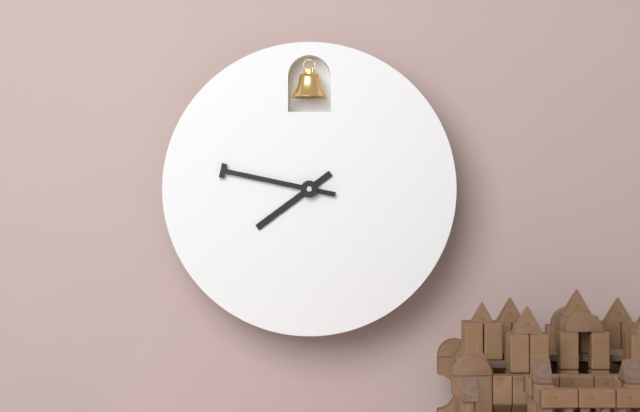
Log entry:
7 h 47 min
